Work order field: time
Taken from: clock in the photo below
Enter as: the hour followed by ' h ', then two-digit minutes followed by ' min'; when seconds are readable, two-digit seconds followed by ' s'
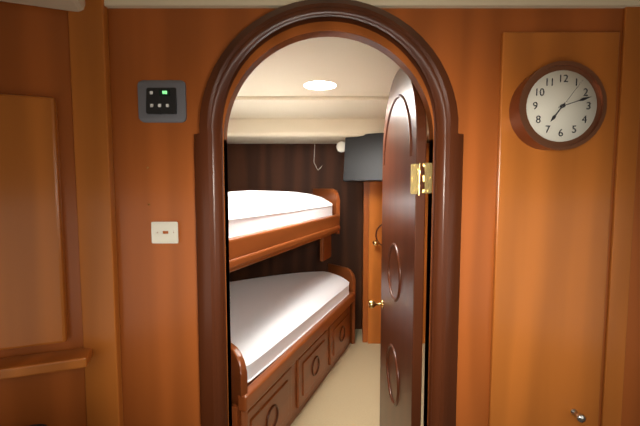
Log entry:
7 h 12 min
